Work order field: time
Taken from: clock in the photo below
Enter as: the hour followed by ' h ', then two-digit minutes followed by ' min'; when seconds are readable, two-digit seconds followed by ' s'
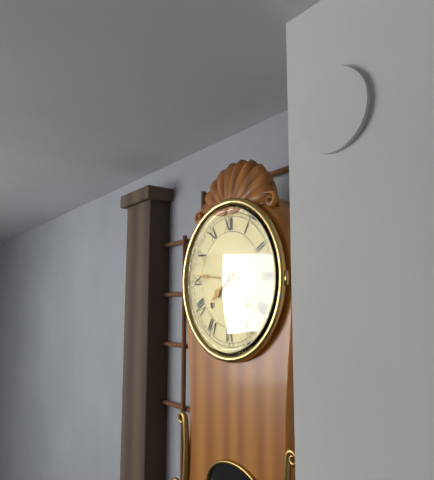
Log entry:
7 h 46 min
